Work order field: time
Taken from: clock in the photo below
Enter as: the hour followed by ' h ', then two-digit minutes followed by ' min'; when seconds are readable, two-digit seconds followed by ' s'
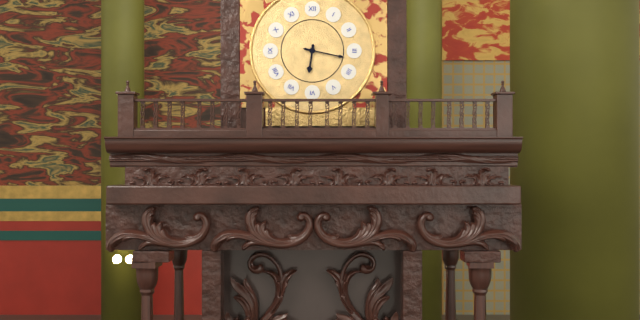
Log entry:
6 h 17 min
